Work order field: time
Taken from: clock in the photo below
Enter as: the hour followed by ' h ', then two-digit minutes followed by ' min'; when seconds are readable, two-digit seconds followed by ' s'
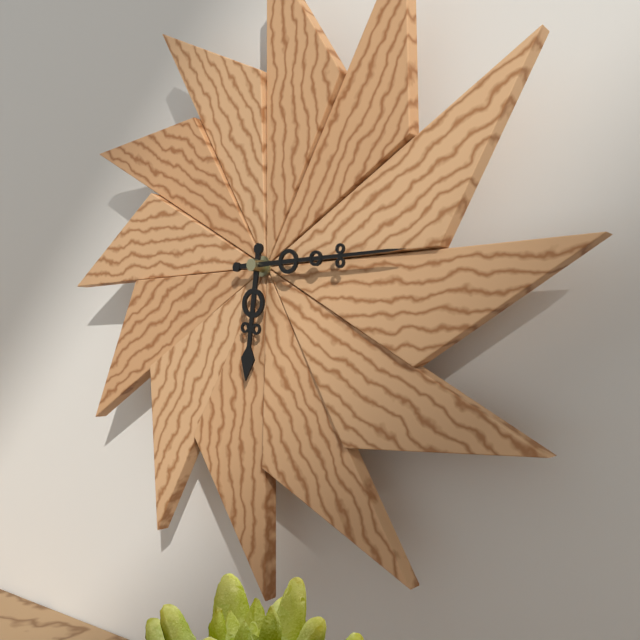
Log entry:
6 h 15 min
